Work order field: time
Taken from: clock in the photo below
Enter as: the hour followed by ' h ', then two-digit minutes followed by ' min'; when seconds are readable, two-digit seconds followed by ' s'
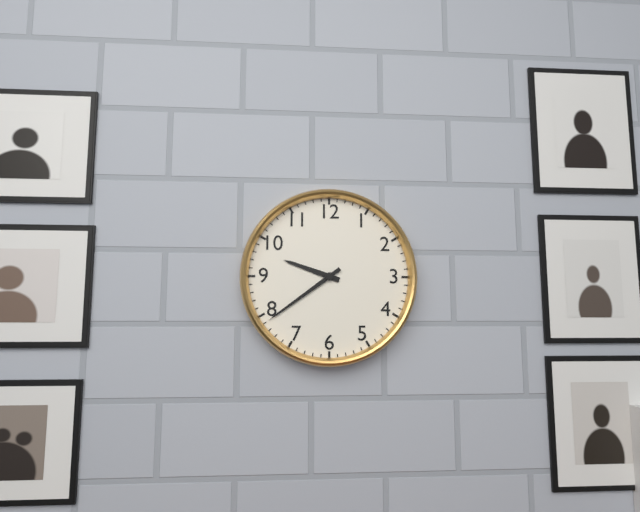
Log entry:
9 h 39 min
